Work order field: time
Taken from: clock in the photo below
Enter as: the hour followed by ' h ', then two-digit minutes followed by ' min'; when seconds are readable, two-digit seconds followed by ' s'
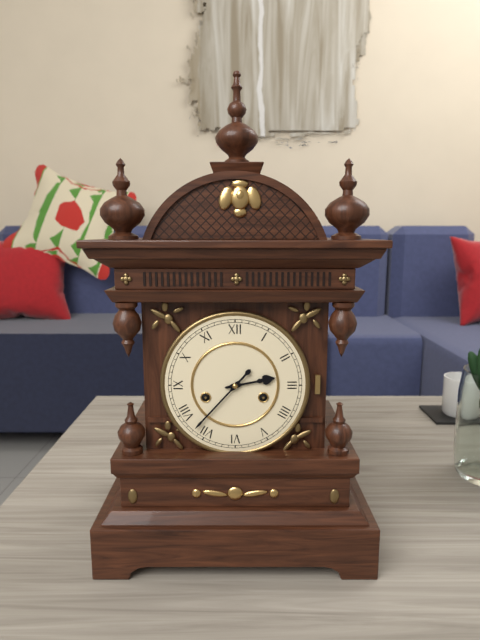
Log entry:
2 h 37 min
